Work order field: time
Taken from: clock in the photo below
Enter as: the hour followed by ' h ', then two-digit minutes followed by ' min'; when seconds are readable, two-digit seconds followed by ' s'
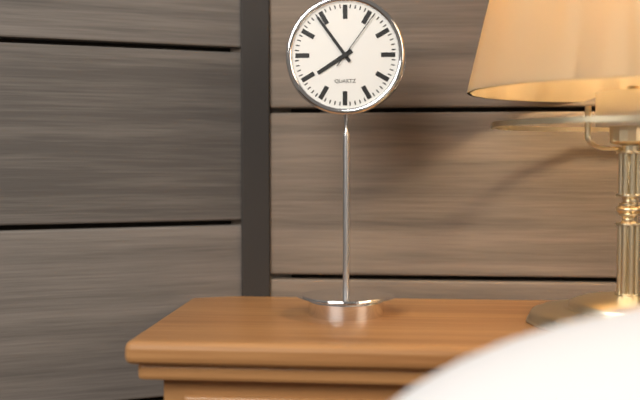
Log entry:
7 h 54 min 06 s
